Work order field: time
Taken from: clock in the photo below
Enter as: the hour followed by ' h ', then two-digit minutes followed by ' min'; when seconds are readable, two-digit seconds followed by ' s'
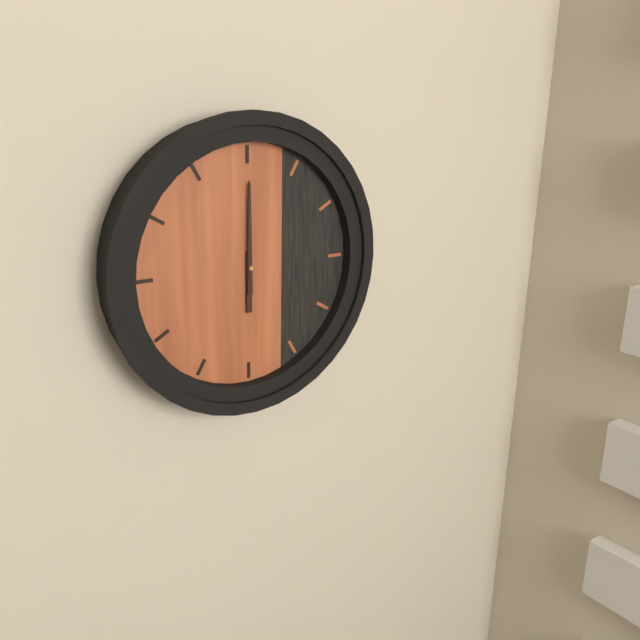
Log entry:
6 h 00 min
